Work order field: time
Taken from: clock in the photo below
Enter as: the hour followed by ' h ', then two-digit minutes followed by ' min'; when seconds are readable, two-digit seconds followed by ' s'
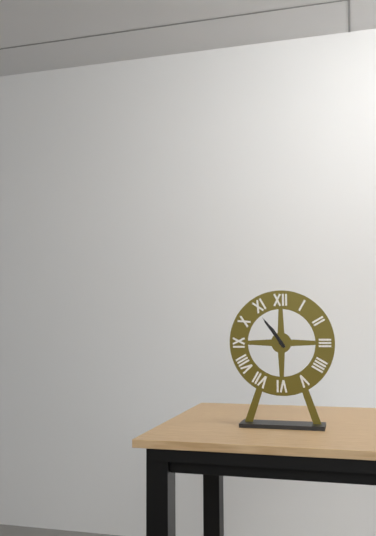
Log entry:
10 h 54 min
